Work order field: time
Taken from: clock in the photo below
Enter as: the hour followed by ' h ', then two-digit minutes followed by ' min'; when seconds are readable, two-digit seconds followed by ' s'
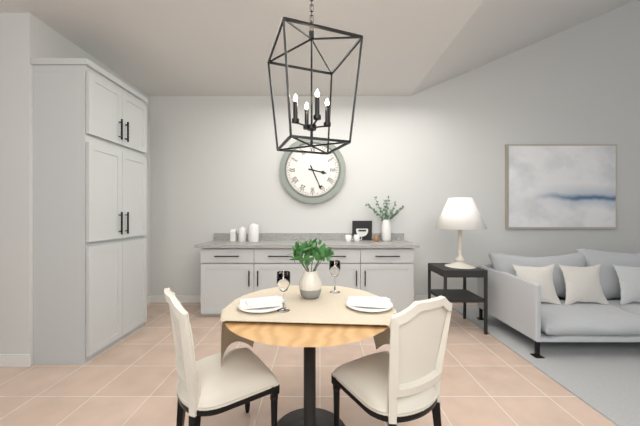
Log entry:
3 h 26 min
